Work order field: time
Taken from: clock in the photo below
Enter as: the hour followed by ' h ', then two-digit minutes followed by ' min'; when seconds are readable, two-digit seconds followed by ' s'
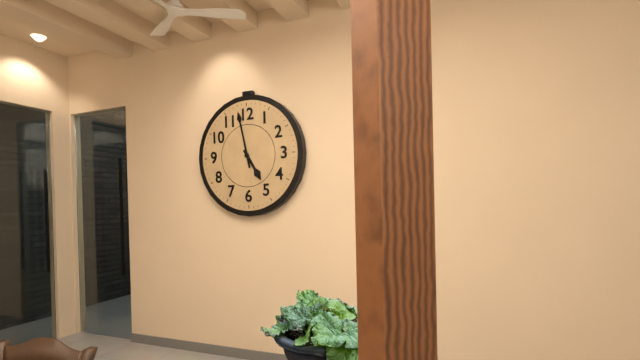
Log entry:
4 h 58 min
